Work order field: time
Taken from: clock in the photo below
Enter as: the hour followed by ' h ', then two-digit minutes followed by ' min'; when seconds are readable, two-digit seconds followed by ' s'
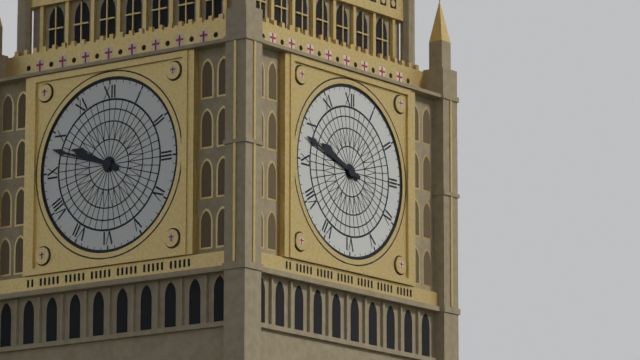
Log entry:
9 h 48 min
